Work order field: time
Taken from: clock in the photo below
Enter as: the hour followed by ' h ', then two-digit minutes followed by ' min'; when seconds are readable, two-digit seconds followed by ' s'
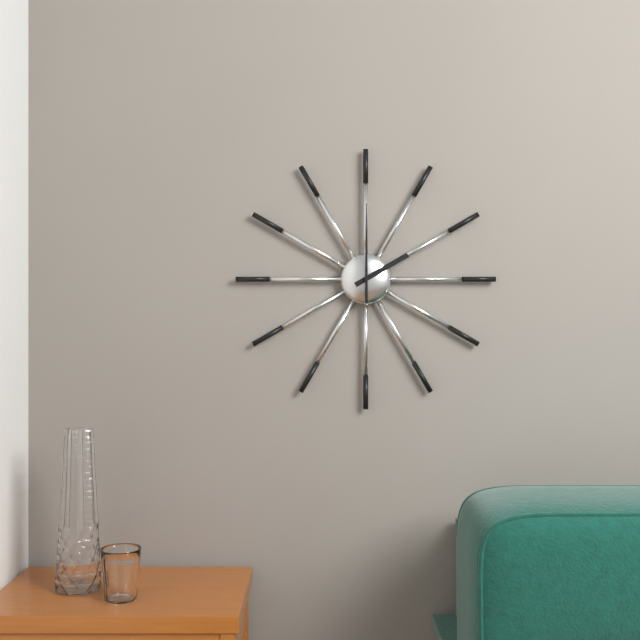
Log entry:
2 h 00 min
